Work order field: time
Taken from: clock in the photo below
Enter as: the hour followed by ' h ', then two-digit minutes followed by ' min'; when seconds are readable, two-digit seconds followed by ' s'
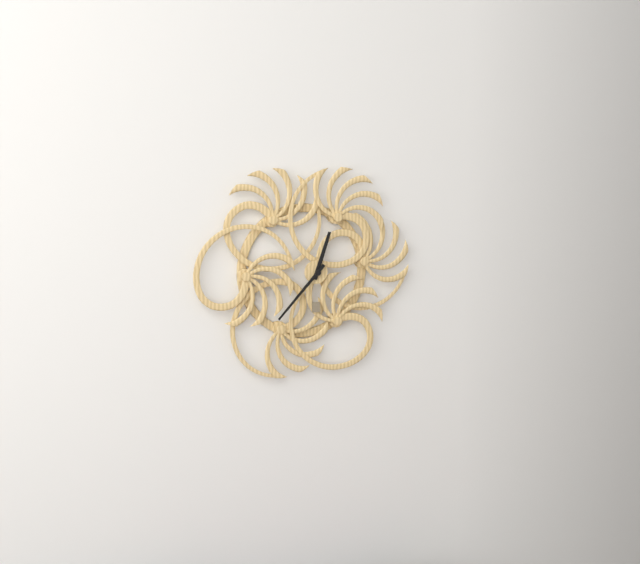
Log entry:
12 h 37 min
